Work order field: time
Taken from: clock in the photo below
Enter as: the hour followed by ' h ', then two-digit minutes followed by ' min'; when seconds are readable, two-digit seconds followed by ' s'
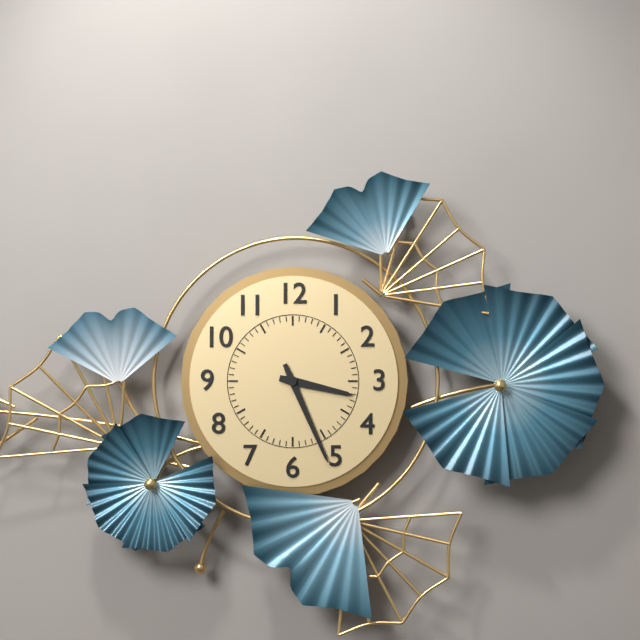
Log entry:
3 h 26 min
